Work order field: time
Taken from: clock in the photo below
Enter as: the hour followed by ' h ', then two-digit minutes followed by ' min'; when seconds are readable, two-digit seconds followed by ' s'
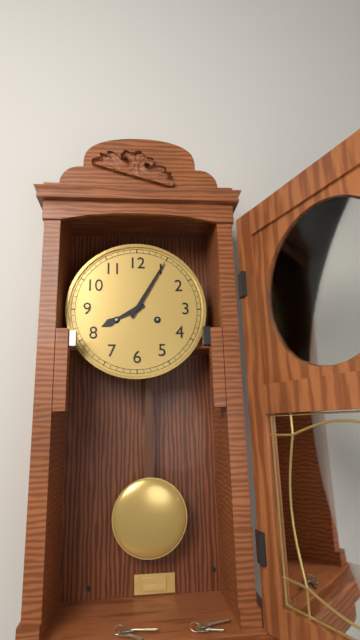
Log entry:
8 h 05 min
